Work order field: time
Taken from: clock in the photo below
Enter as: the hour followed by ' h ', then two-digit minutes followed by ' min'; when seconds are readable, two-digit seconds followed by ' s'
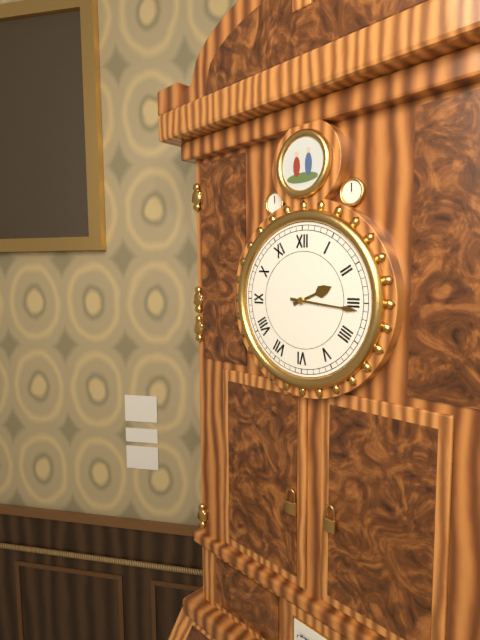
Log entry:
2 h 16 min
